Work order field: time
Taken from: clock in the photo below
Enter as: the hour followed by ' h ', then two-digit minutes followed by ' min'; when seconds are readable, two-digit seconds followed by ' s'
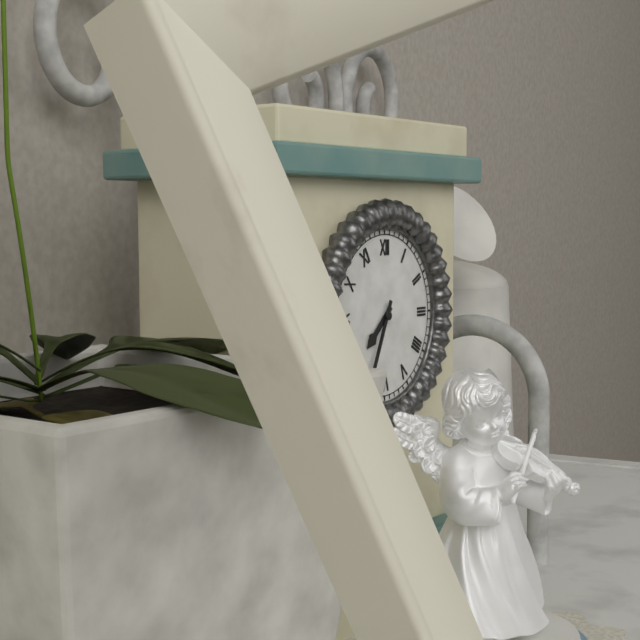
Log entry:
7 h 34 min
